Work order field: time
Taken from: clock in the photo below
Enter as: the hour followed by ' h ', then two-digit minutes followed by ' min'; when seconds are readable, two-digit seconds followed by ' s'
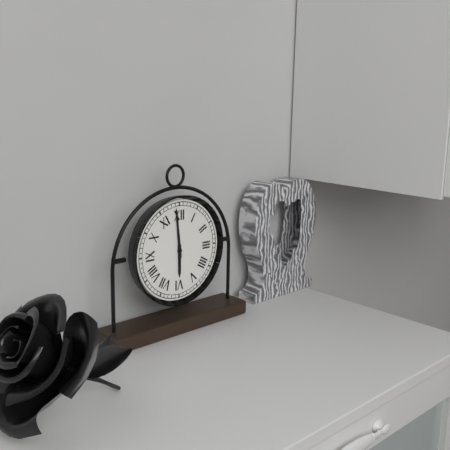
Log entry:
5 h 59 min
